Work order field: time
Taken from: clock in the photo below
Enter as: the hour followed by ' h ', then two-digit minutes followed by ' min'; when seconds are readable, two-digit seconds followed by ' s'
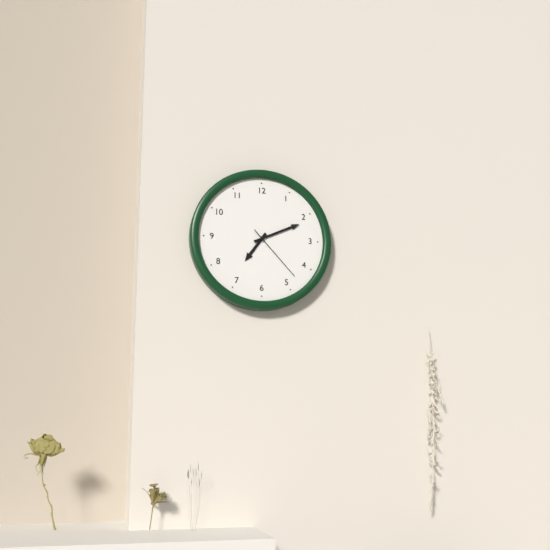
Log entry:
7 h 11 min 23 s
